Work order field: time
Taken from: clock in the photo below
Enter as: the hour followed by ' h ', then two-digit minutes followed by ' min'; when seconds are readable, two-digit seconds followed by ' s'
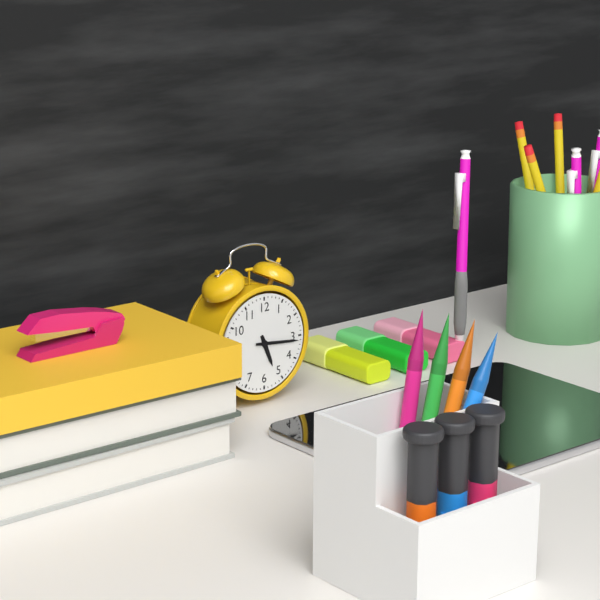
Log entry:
5 h 16 min
